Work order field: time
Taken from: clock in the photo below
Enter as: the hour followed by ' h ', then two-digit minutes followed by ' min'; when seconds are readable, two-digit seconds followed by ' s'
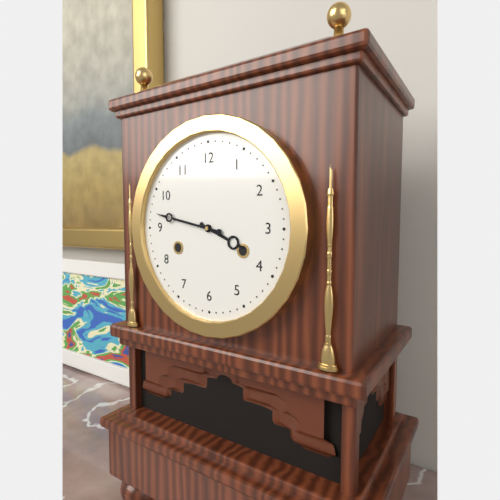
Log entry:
3 h 47 min
